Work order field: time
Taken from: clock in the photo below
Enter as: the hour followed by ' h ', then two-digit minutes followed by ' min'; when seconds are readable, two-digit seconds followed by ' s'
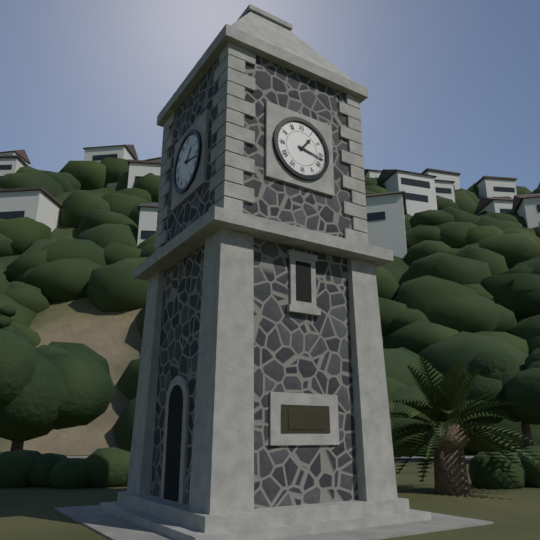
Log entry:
1 h 17 min
